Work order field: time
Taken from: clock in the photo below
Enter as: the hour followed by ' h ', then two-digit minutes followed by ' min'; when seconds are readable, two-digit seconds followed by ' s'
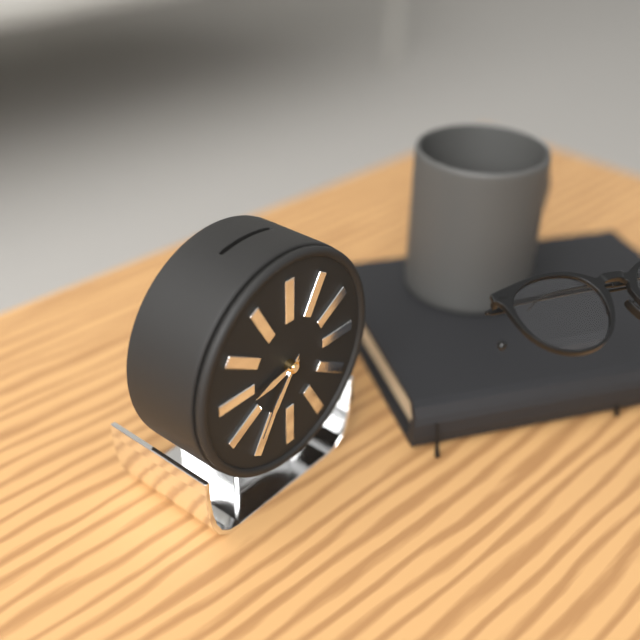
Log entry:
8 h 36 min
